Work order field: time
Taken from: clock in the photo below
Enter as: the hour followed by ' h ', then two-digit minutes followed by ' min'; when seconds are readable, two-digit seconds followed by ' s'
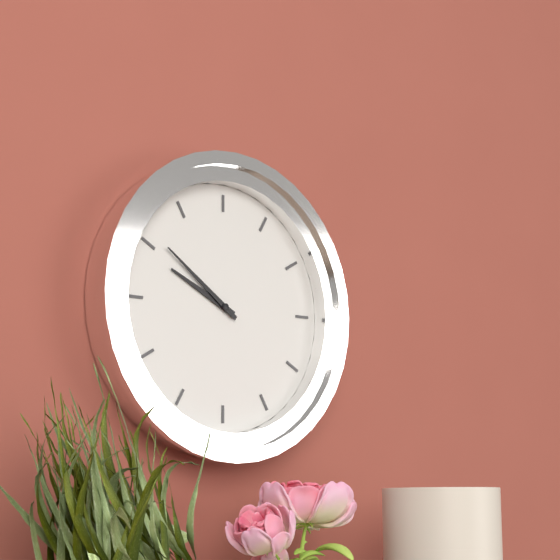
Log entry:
9 h 51 min
